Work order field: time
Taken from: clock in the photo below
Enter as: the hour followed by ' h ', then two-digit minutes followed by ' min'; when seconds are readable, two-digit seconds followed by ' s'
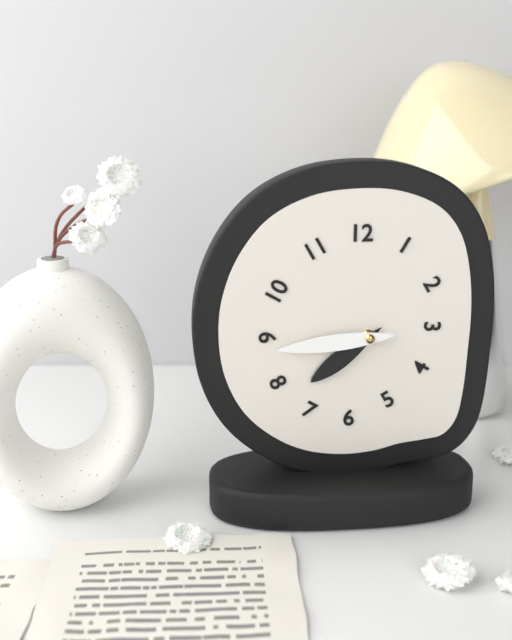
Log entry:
7 h 44 min
